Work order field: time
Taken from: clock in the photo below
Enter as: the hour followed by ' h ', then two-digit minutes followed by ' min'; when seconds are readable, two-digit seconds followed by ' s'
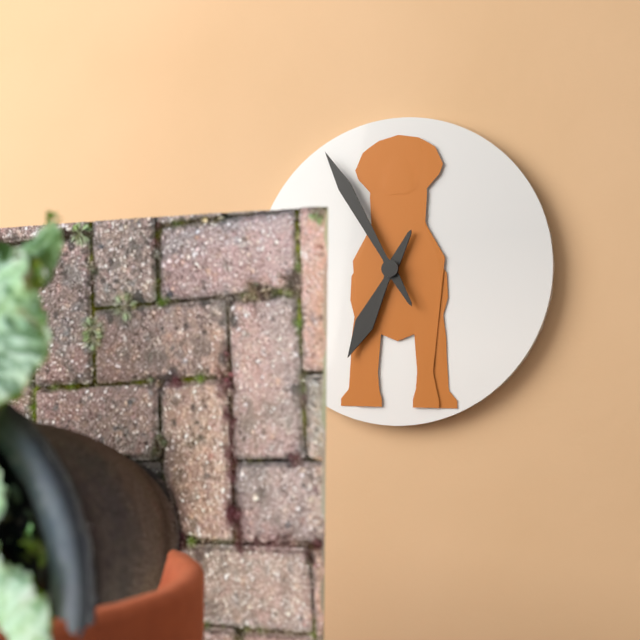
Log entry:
6 h 55 min
